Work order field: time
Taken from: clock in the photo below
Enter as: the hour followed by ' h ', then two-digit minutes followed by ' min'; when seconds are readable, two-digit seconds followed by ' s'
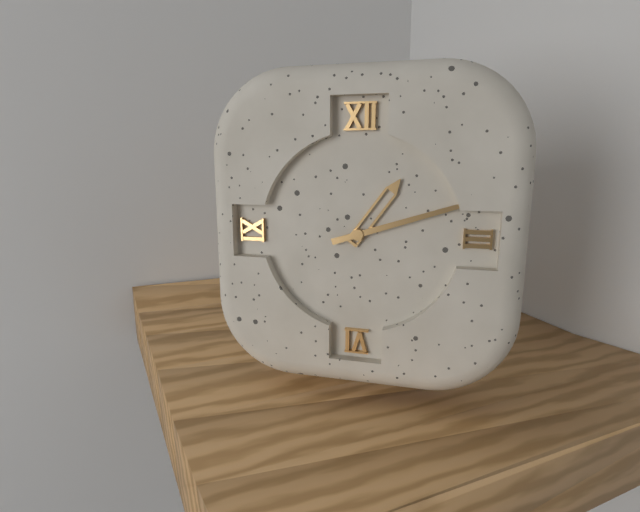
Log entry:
1 h 12 min
